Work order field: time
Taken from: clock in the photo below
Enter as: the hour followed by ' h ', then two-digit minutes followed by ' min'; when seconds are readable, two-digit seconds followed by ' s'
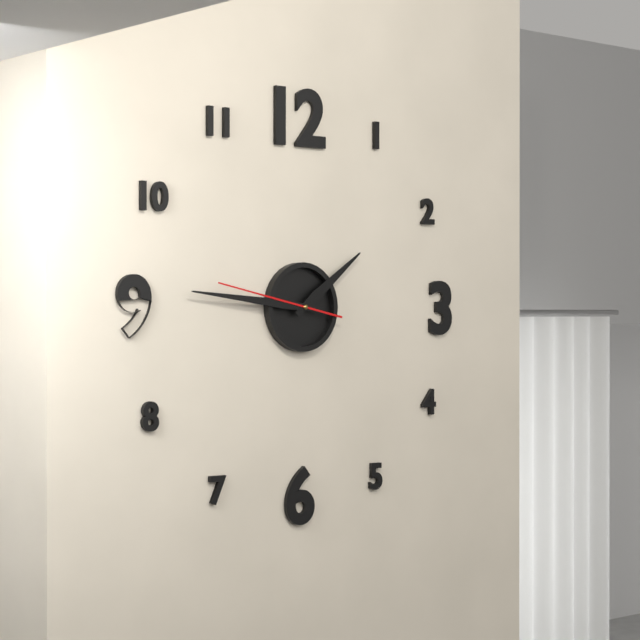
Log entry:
1 h 46 min 47 s
